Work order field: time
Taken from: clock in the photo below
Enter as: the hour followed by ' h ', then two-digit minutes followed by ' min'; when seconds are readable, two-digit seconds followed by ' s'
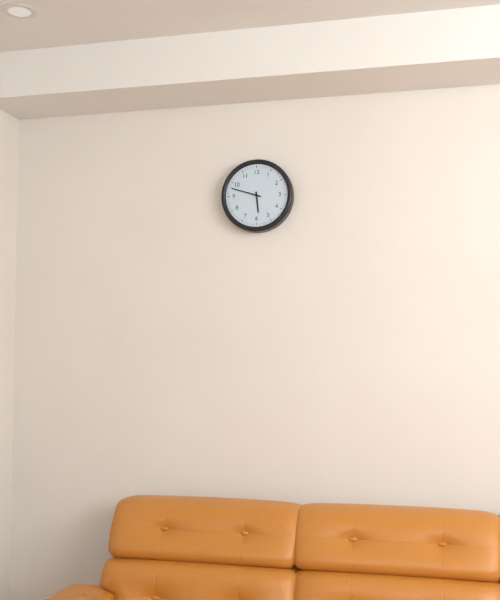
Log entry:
5 h 48 min
